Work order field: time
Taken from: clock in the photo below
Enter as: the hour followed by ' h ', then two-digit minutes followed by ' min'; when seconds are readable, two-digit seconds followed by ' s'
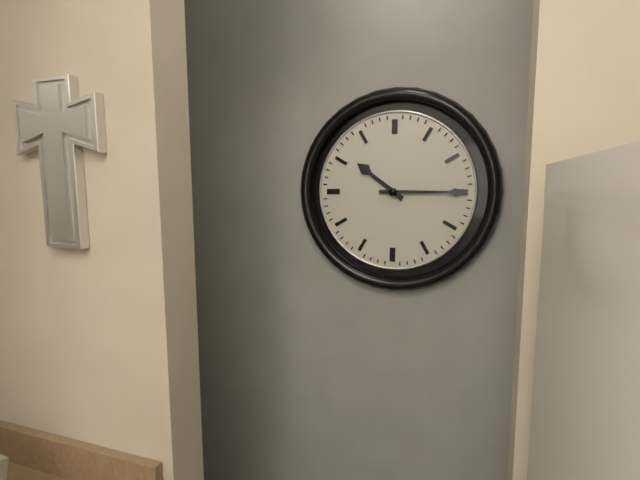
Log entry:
10 h 15 min
